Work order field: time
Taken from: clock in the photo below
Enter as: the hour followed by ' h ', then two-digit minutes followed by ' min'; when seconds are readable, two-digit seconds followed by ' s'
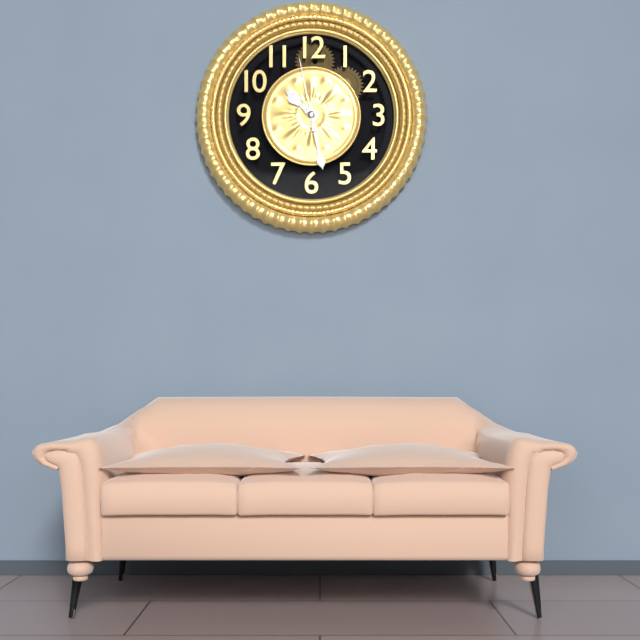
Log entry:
10 h 28 min 58 s
